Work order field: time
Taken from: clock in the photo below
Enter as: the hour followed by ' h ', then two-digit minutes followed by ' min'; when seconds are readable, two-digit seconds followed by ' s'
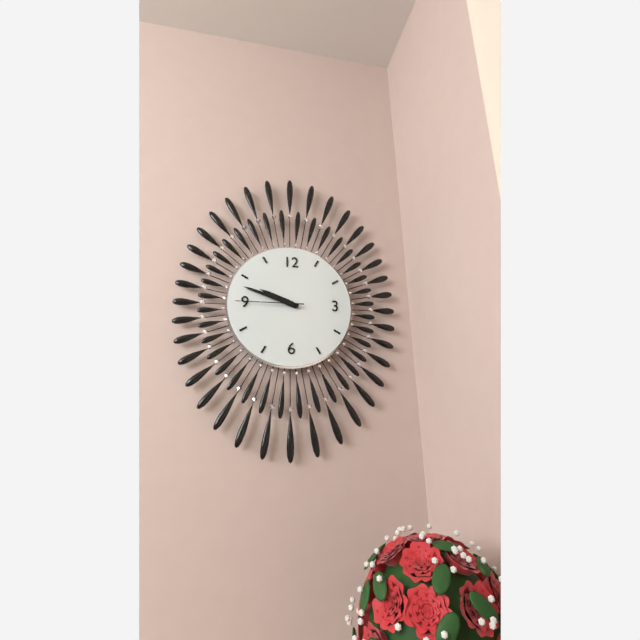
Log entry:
9 h 48 min 45 s
